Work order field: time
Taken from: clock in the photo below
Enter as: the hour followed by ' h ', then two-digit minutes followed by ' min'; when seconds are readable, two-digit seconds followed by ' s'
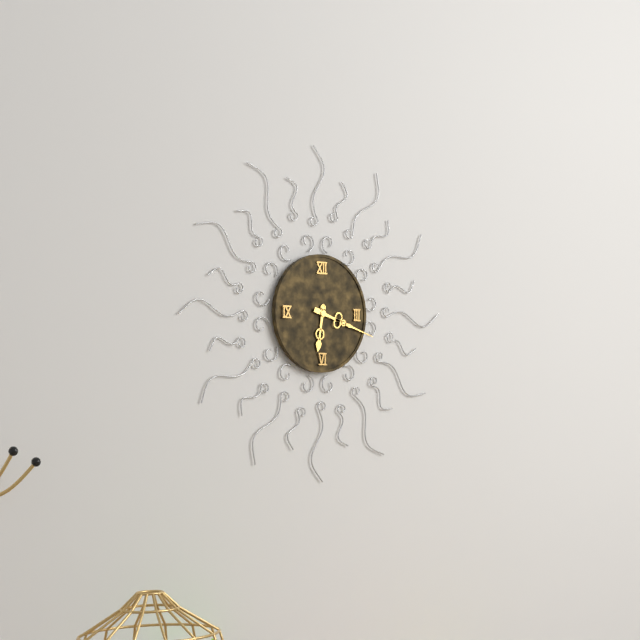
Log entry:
6 h 18 min
